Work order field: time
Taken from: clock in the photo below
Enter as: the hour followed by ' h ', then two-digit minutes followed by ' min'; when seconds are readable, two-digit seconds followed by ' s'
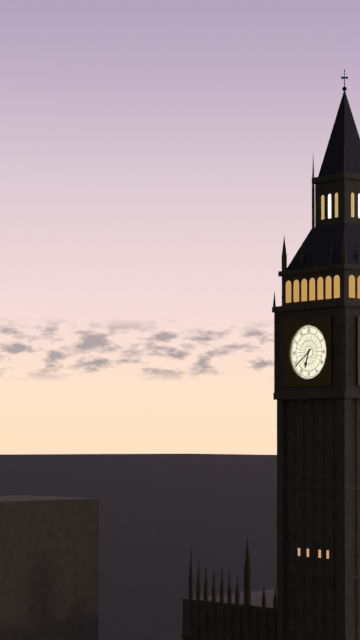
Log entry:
6 h 39 min
